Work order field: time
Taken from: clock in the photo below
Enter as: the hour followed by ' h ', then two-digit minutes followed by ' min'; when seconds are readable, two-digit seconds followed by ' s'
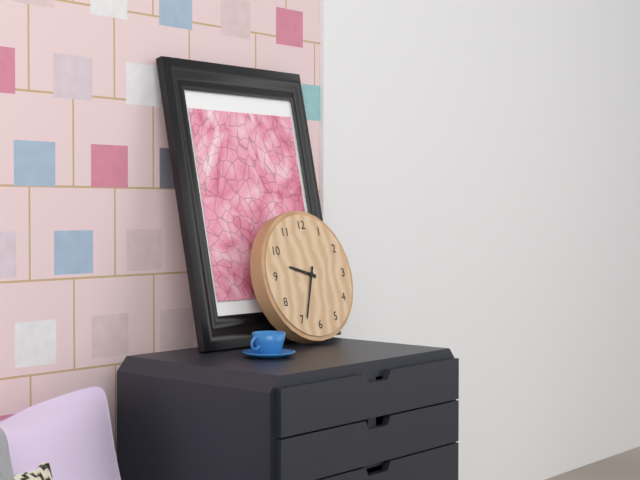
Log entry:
9 h 34 min
